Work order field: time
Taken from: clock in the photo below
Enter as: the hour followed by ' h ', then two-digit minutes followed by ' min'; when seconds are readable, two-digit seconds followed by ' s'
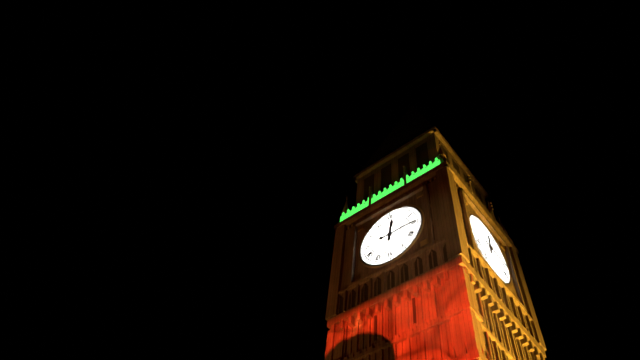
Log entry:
12 h 15 min
